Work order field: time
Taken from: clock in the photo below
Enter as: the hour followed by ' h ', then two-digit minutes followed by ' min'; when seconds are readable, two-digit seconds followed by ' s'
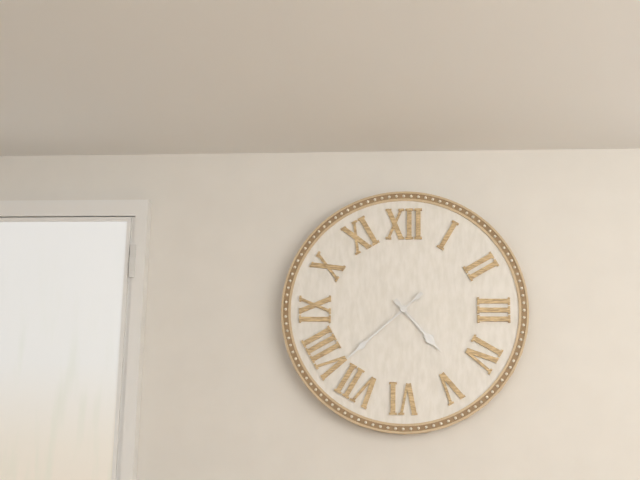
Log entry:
4 h 38 min
